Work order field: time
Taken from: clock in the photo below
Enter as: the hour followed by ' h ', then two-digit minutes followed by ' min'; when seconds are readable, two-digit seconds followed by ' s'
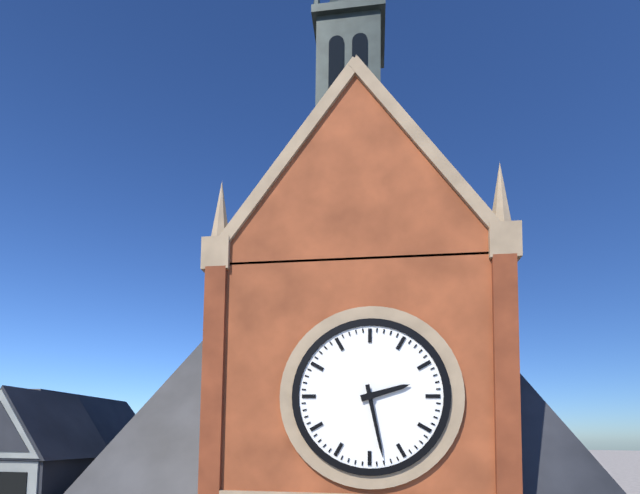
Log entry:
2 h 28 min
